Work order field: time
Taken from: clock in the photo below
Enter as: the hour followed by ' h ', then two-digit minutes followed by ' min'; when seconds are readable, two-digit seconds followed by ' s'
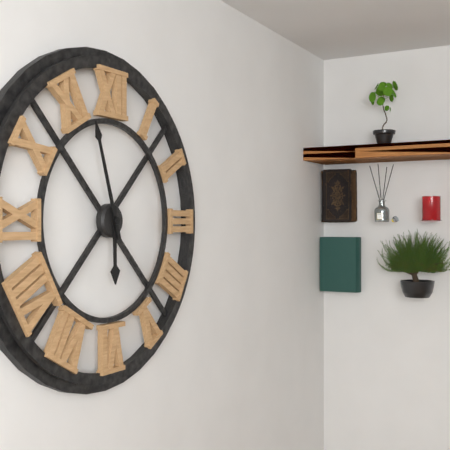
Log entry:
5 h 57 min
